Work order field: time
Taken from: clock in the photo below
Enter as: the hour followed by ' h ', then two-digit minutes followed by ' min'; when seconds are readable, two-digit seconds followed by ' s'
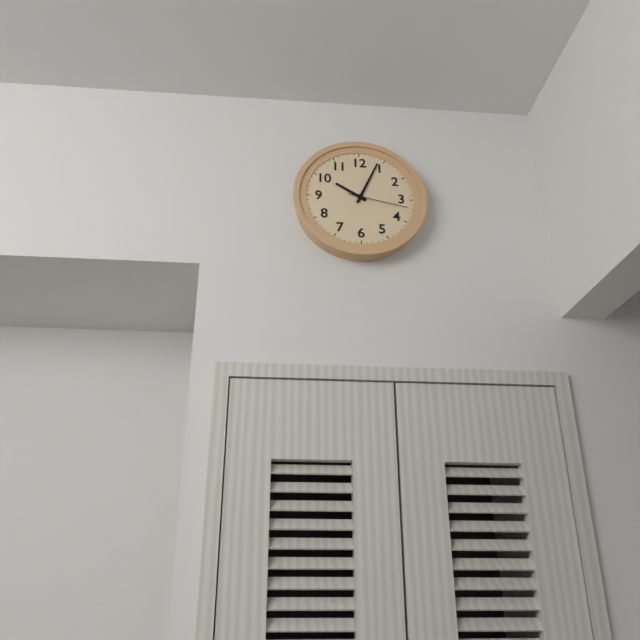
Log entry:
10 h 04 min 17 s
